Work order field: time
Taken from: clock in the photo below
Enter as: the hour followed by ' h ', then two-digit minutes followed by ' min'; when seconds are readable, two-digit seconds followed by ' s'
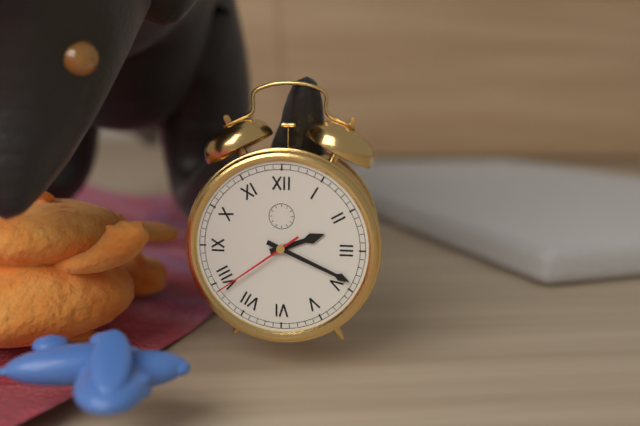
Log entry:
2 h 19 min 39 s
